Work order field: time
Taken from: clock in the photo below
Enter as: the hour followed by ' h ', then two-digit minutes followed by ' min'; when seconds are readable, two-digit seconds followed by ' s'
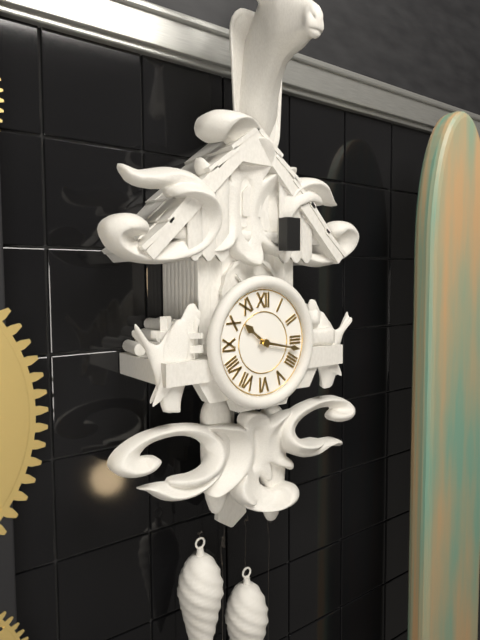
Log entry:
10 h 17 min
